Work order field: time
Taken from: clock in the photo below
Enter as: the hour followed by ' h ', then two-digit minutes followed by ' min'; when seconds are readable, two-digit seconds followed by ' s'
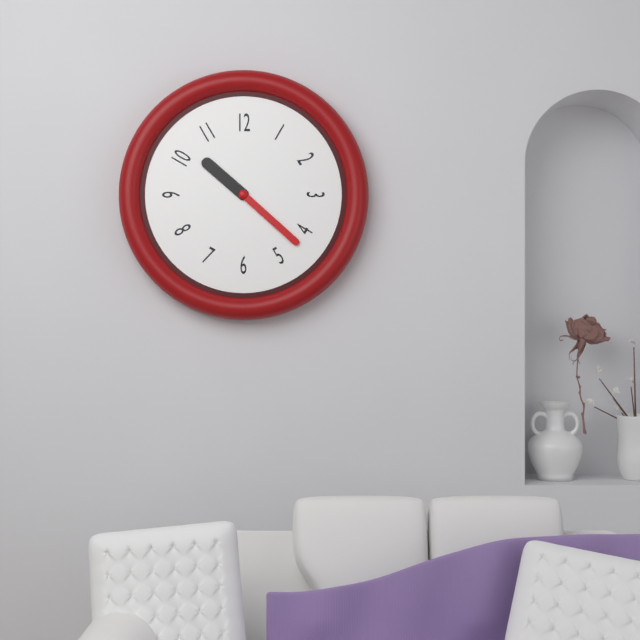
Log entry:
10 h 22 min
